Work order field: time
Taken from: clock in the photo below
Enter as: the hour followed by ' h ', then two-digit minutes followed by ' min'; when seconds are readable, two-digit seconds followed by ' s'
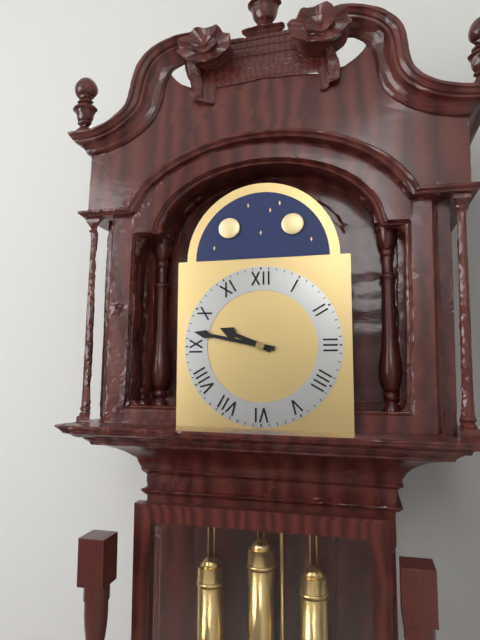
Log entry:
9 h 47 min
